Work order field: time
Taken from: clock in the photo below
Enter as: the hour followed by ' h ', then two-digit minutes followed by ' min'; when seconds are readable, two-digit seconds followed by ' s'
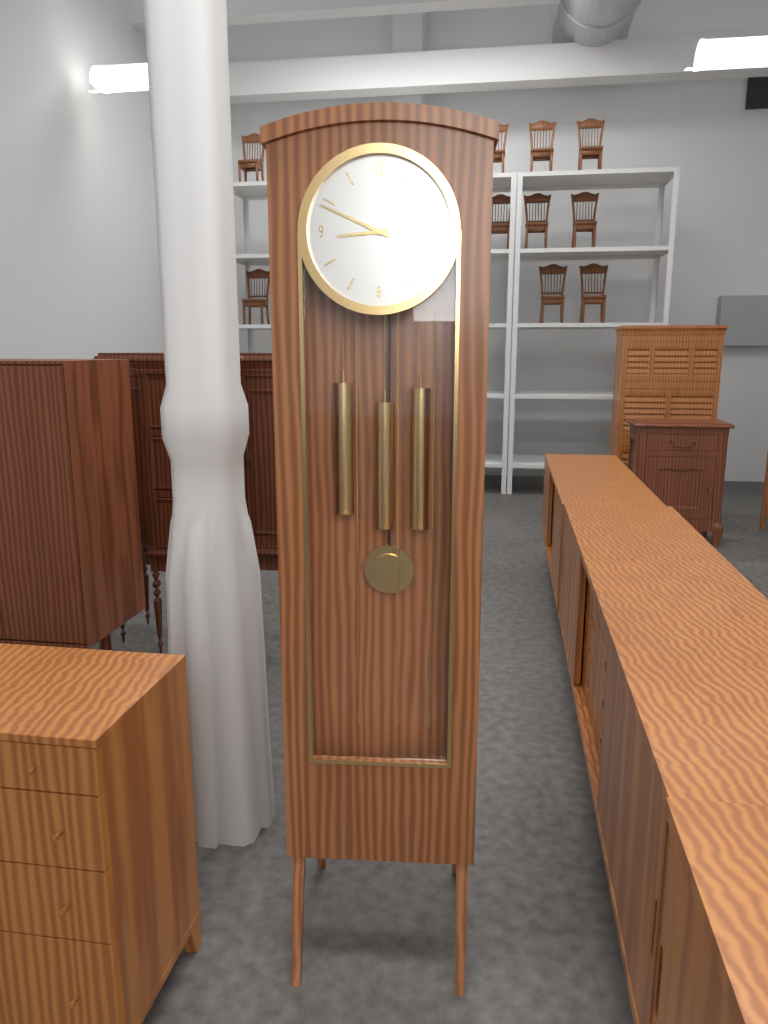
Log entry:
8 h 49 min
